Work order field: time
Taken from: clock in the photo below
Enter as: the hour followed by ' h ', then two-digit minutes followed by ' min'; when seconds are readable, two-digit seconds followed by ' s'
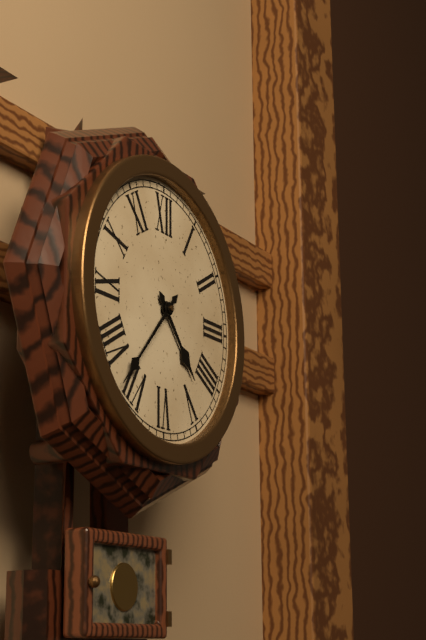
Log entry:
4 h 37 min
